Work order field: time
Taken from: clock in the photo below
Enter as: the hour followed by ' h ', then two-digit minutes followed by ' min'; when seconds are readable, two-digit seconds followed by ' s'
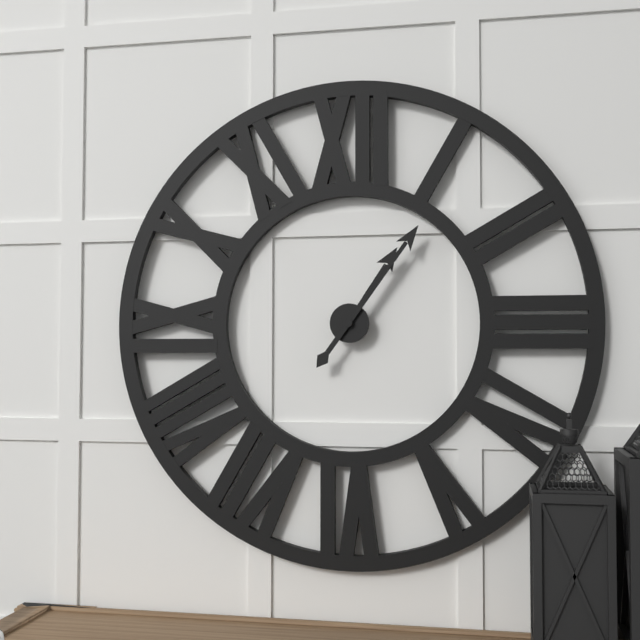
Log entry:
1 h 06 min
